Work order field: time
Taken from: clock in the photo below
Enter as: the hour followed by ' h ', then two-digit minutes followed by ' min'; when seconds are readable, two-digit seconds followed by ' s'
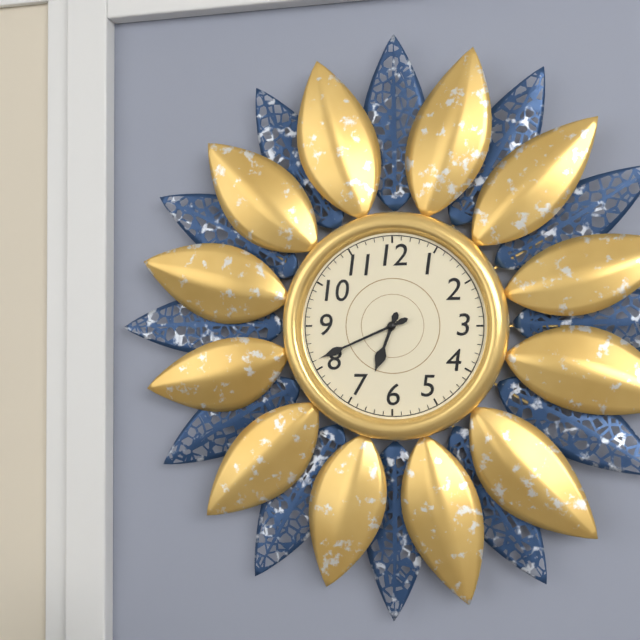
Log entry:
6 h 41 min
